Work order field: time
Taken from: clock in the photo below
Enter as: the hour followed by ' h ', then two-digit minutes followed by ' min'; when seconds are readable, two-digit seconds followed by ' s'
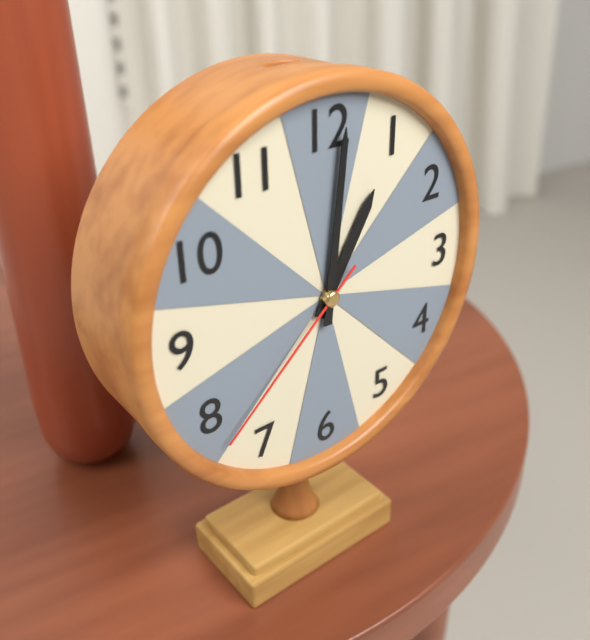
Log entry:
1 h 01 min 38 s
